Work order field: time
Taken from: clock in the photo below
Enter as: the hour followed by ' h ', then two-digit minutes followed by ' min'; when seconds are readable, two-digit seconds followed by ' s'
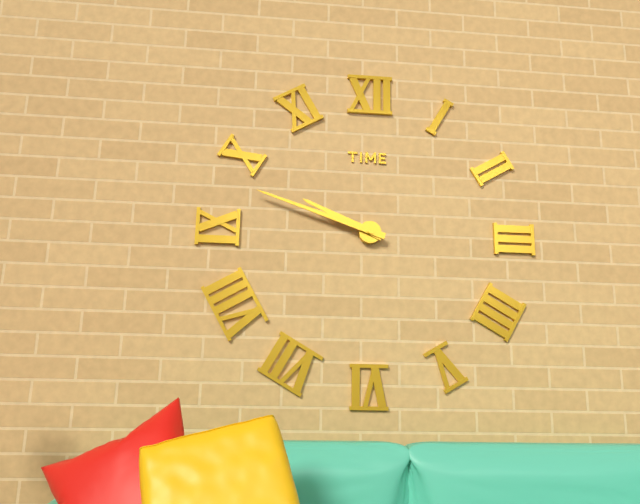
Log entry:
9 h 48 min
